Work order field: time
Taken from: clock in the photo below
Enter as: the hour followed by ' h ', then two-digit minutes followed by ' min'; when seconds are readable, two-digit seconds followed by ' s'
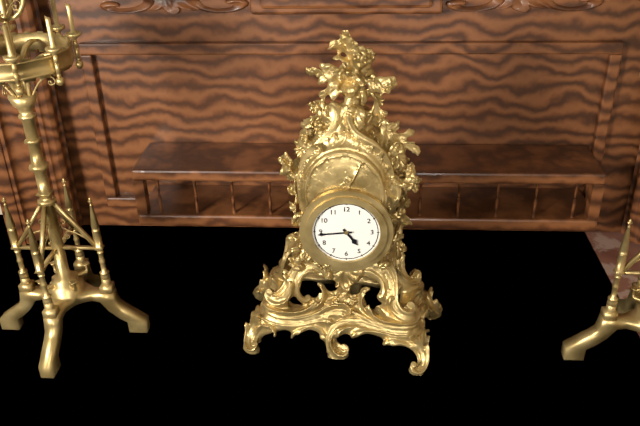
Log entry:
4 h 44 min
